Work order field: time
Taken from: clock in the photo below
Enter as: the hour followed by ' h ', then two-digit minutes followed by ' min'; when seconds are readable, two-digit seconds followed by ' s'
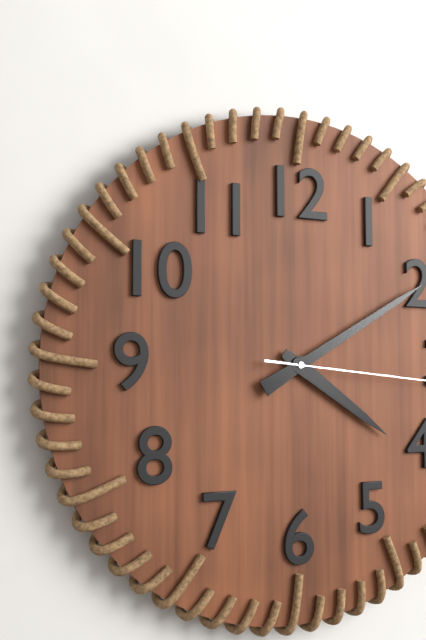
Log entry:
4 h 10 min
